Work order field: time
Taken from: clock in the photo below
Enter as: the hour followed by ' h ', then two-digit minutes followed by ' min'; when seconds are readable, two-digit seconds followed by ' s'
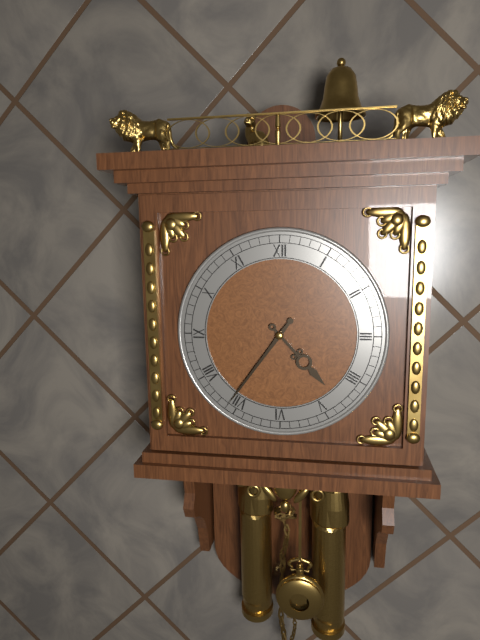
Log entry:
4 h 36 min
